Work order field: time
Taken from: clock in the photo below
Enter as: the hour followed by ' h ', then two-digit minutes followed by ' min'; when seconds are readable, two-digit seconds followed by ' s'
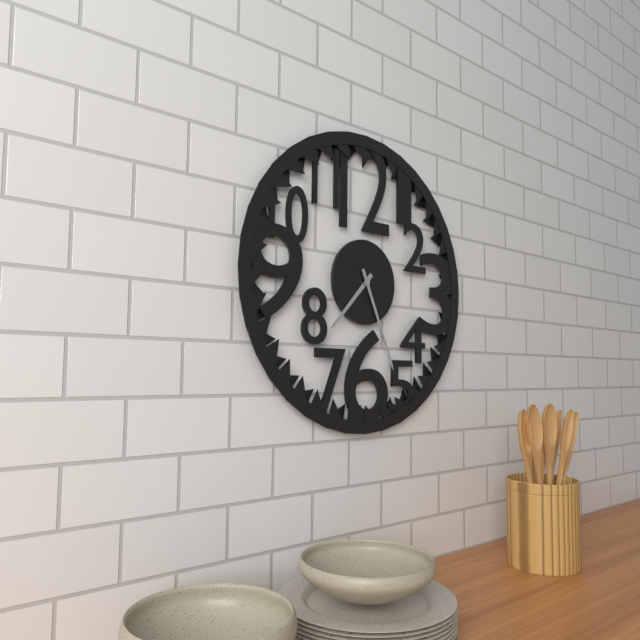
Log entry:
7 h 26 min
